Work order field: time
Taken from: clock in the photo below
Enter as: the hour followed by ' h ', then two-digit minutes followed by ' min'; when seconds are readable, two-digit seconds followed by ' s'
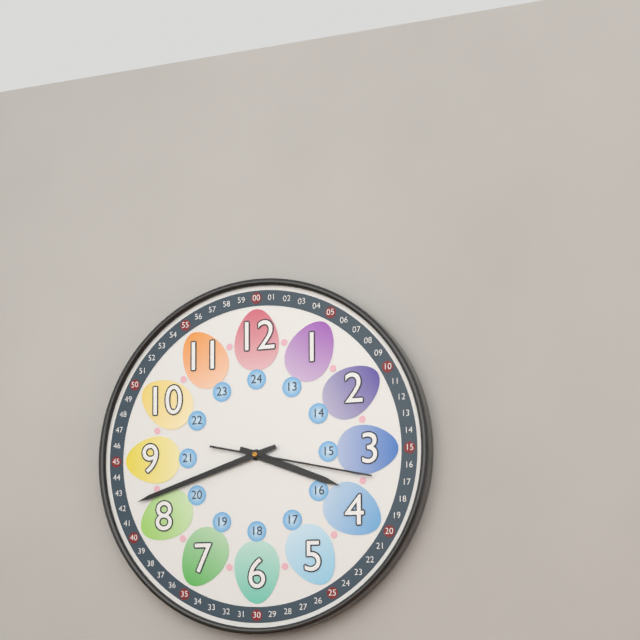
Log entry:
3 h 42 min 17 s
